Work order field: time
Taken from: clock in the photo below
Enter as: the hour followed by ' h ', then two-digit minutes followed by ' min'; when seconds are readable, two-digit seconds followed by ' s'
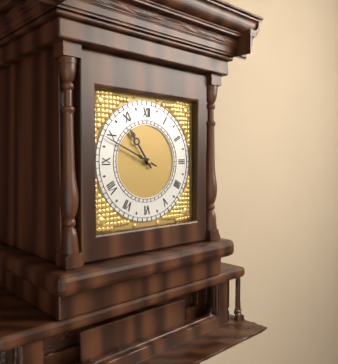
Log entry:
10 h 49 min
